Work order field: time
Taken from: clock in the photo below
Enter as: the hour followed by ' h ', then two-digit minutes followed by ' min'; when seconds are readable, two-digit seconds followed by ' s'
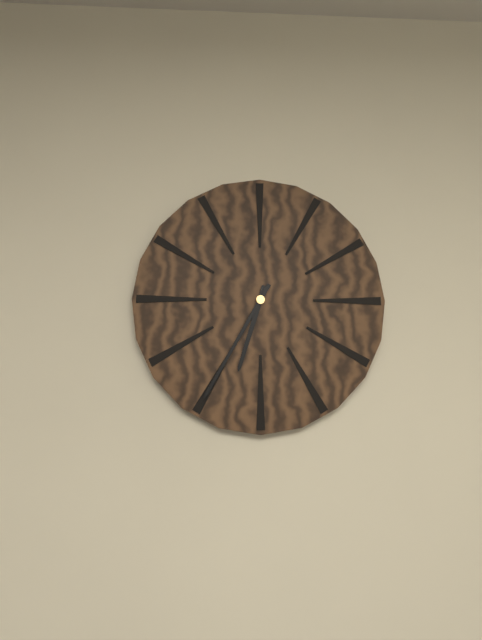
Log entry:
6 h 35 min
